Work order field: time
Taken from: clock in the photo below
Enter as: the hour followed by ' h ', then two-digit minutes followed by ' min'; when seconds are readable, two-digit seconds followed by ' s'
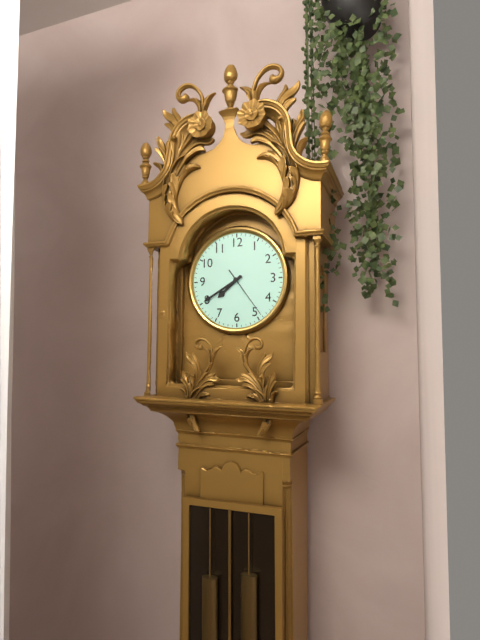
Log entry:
7 h 40 min 24 s
